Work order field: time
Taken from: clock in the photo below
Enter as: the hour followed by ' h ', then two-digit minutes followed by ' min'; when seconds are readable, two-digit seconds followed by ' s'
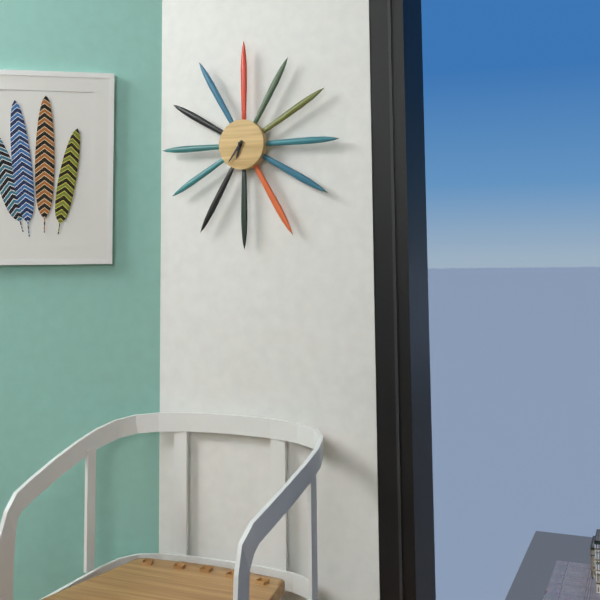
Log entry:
6 h 36 min
